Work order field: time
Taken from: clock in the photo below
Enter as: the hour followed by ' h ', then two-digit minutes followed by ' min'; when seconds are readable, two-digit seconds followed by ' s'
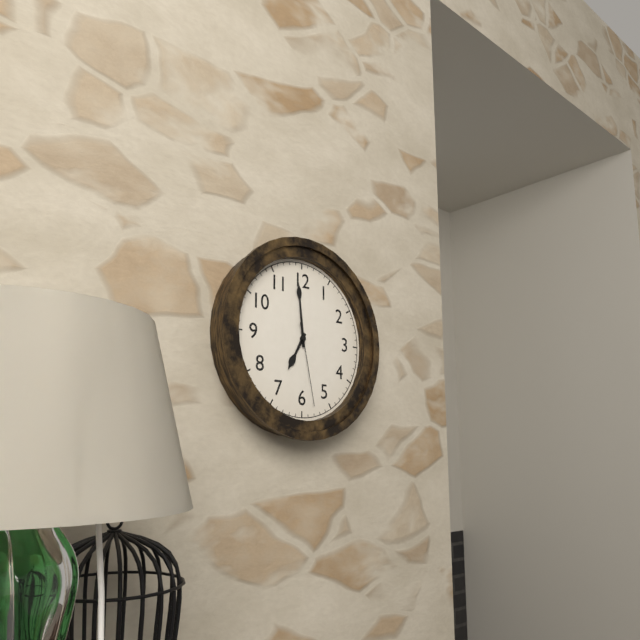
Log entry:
6 h 59 min 28 s
